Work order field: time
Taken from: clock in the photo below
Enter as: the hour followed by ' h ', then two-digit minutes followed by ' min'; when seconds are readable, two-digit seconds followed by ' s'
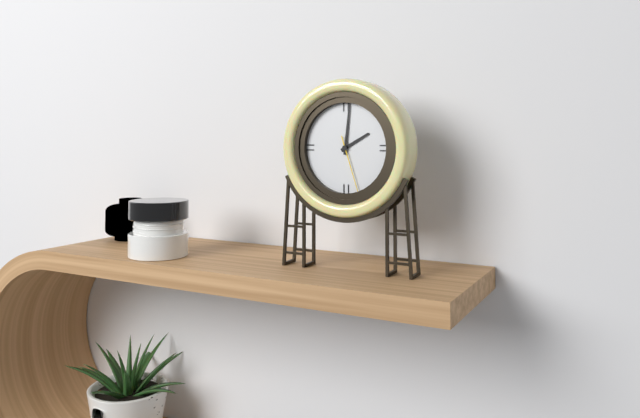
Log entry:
2 h 01 min 27 s
